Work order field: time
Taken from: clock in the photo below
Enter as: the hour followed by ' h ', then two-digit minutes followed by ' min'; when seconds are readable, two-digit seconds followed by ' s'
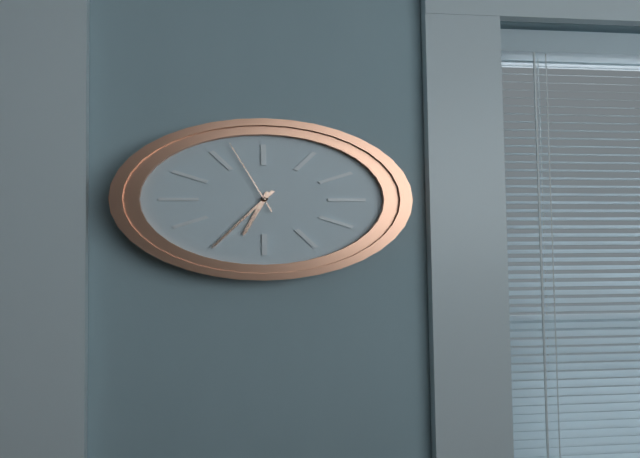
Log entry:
6 h 35 min 57 s
